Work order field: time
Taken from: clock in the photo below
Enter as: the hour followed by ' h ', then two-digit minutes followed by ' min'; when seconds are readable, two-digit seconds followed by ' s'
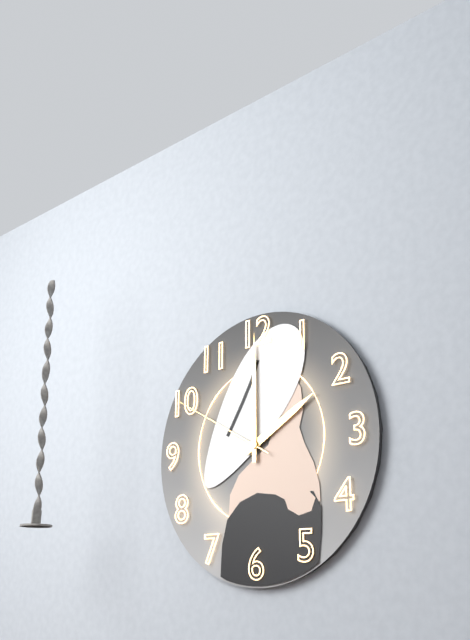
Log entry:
2 h 00 min 50 s
